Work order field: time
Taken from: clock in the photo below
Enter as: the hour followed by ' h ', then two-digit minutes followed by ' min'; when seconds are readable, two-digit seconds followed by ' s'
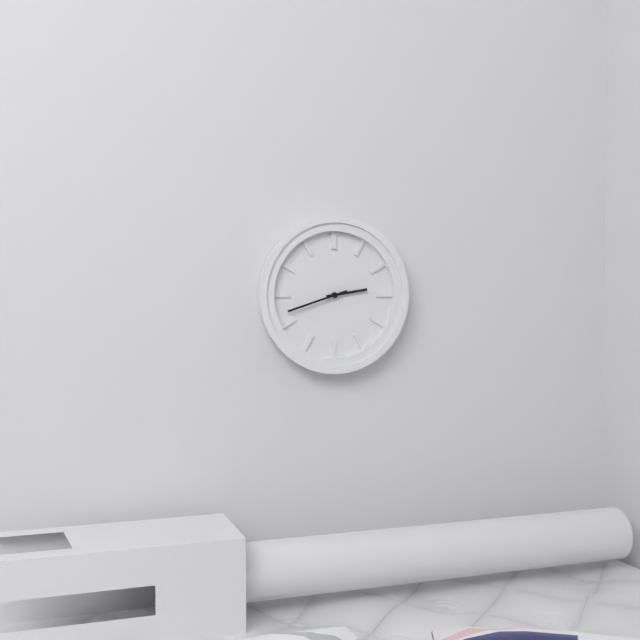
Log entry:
2 h 42 min
